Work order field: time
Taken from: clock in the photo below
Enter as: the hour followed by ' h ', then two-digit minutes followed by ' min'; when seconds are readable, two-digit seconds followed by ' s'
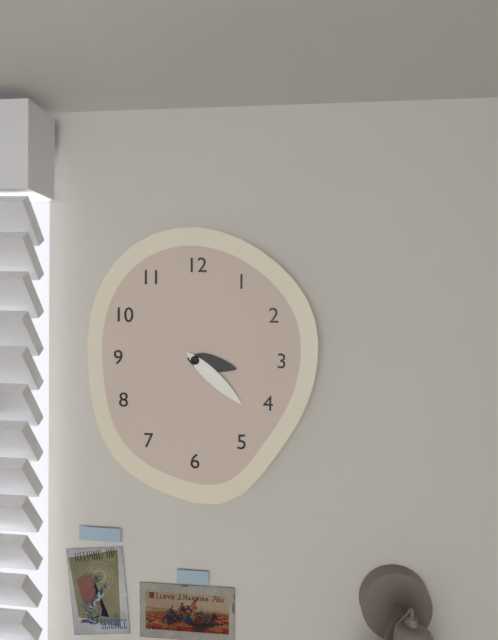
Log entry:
3 h 22 min
